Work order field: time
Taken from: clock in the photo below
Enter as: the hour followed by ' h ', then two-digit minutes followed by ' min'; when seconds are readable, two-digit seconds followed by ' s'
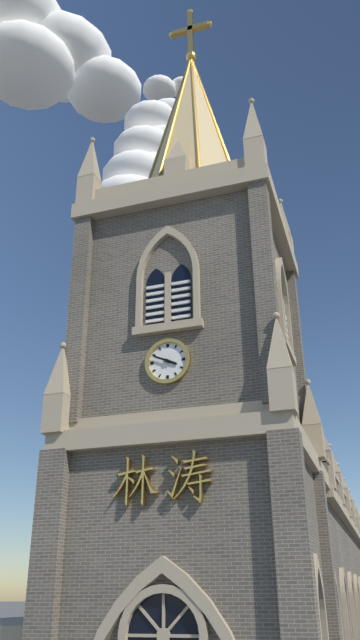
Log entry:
3 h 49 min
